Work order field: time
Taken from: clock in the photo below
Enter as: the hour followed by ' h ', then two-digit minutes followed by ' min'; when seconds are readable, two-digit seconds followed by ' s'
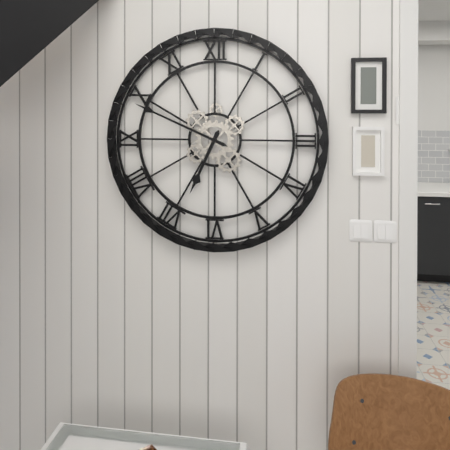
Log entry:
6 h 49 min
